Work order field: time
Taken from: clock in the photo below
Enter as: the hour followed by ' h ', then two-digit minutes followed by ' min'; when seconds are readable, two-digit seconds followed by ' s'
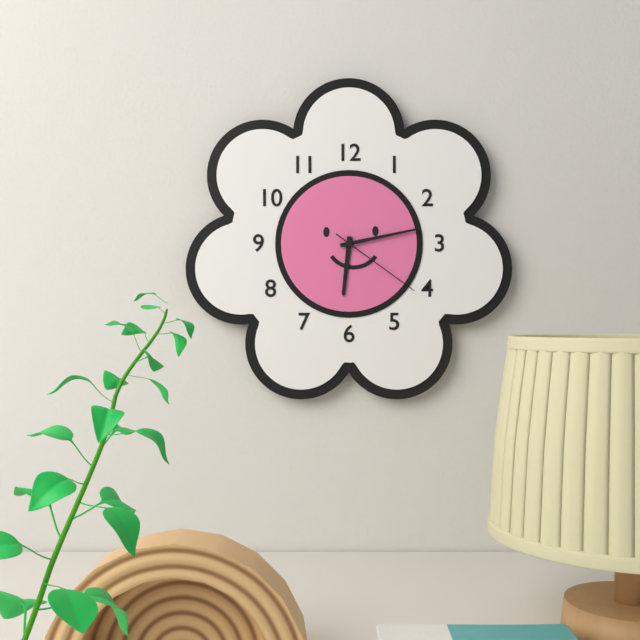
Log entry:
6 h 13 min 21 s
